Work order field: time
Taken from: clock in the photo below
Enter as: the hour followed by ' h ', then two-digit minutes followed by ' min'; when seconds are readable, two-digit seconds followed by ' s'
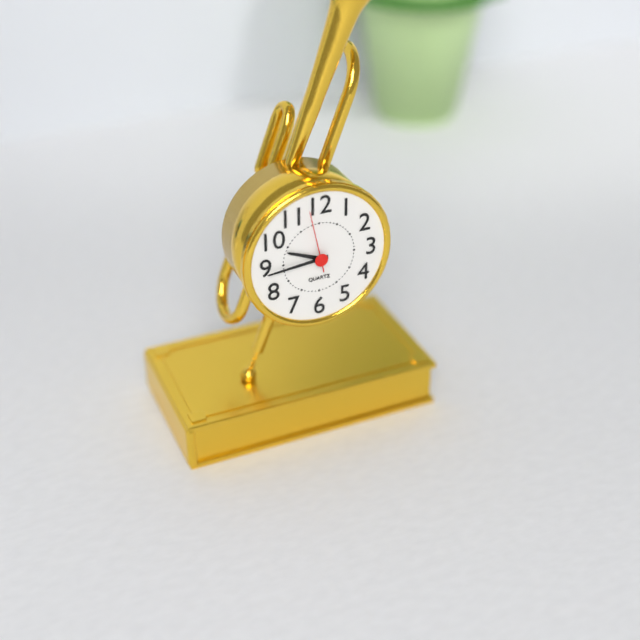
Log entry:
9 h 44 min 58 s
